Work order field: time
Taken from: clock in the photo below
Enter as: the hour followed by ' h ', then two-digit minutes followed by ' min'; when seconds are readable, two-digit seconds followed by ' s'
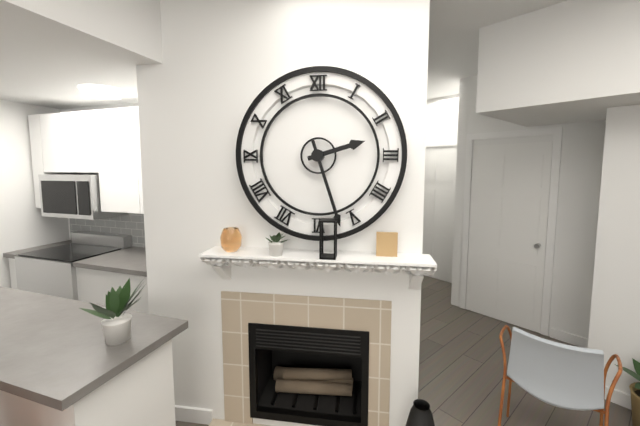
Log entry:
2 h 27 min
